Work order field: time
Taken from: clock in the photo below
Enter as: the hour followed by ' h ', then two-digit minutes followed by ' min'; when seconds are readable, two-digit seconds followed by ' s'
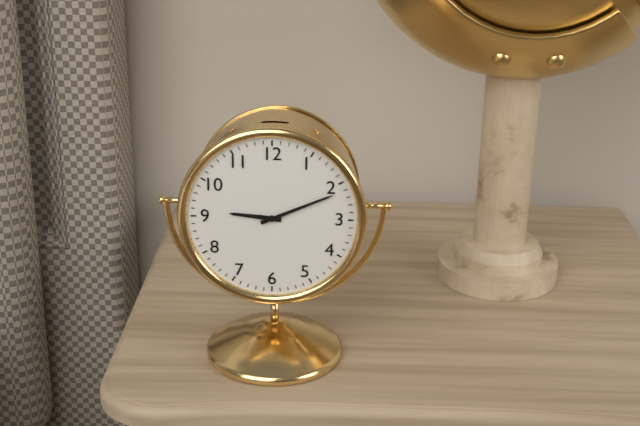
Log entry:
9 h 11 min
